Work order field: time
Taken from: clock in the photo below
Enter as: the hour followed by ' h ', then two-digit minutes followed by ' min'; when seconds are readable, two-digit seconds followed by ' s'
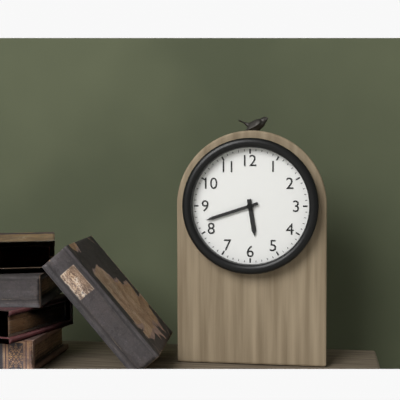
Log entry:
5 h 42 min
